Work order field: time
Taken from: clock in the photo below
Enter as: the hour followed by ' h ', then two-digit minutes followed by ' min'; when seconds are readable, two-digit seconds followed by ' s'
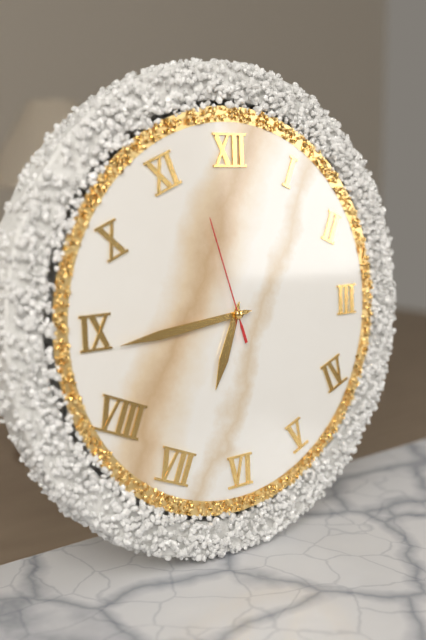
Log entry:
6 h 44 min 57 s
